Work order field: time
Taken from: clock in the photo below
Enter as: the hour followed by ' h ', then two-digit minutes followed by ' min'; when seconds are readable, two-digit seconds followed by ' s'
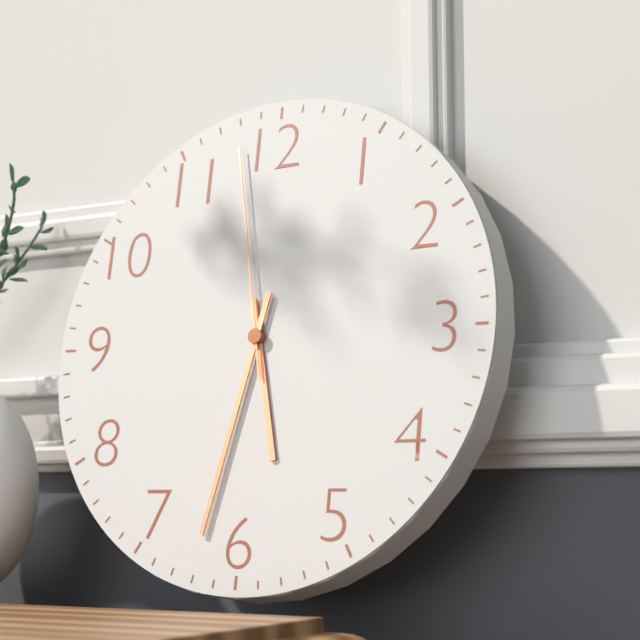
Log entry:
5 h 32 min 58 s
